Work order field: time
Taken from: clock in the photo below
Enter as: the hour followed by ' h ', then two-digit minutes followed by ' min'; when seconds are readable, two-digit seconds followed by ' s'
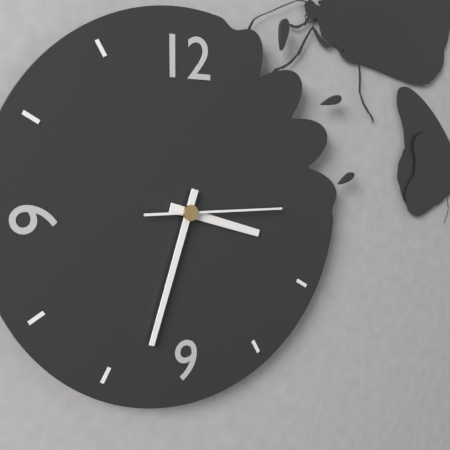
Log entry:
3 h 33 min 15 s
